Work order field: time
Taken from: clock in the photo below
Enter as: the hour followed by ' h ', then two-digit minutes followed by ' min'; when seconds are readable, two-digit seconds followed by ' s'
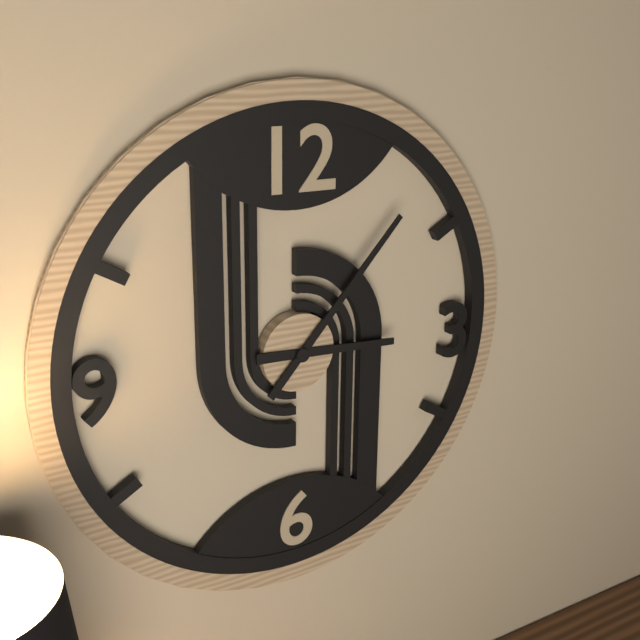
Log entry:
3 h 07 min
